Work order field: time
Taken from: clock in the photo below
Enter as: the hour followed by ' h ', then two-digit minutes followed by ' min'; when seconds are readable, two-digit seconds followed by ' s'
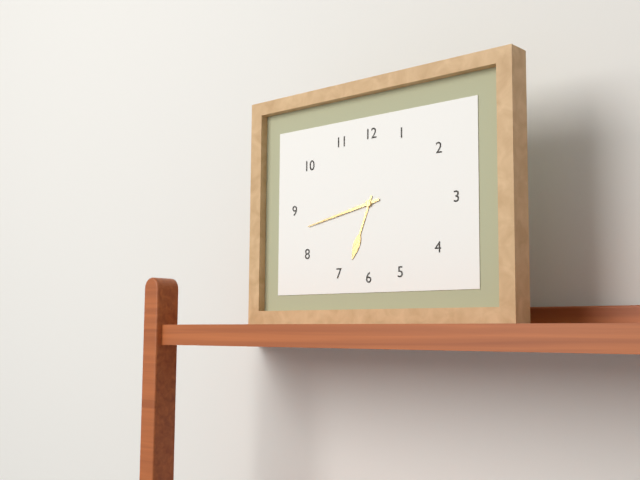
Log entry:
6 h 43 min
